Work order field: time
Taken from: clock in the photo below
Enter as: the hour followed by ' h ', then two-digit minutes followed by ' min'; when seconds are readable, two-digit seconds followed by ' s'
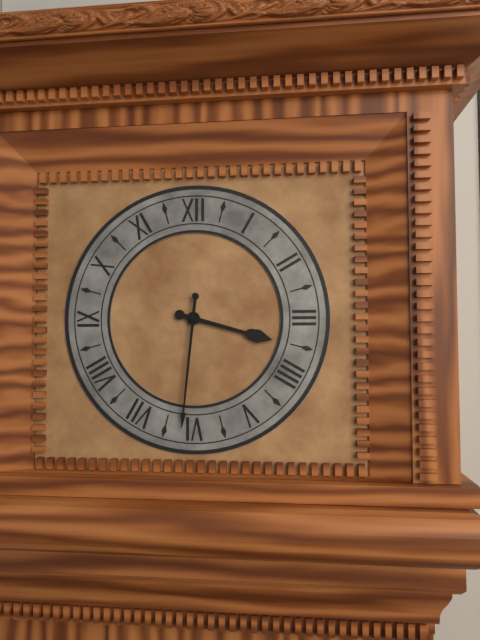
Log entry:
3 h 31 min
